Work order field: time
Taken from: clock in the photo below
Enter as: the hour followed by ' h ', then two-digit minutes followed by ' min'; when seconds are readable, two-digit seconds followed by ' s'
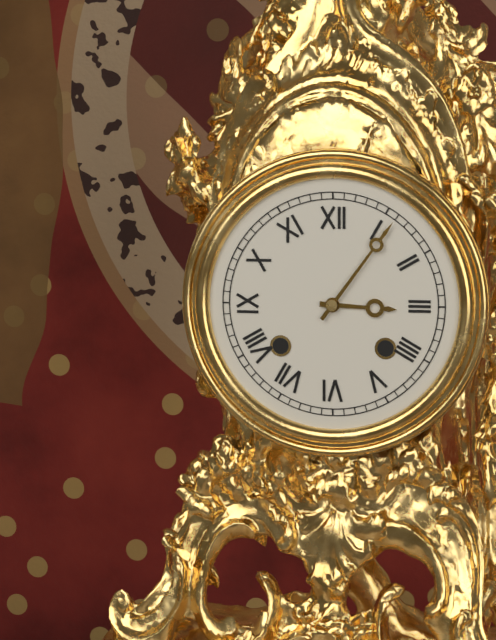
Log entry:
3 h 06 min
